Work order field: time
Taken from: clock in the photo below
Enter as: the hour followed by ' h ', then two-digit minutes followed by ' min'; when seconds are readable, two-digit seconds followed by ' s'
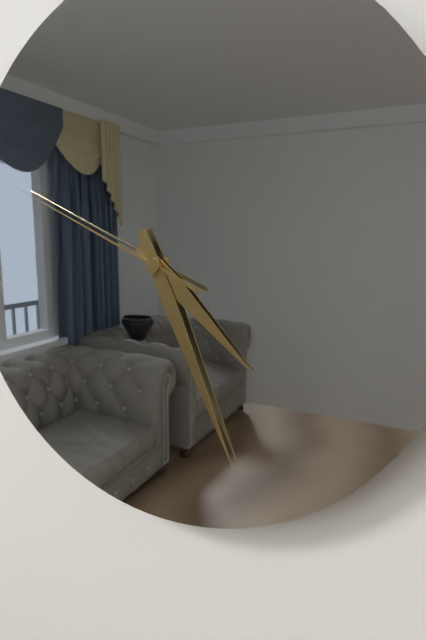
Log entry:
4 h 26 min 49 s
